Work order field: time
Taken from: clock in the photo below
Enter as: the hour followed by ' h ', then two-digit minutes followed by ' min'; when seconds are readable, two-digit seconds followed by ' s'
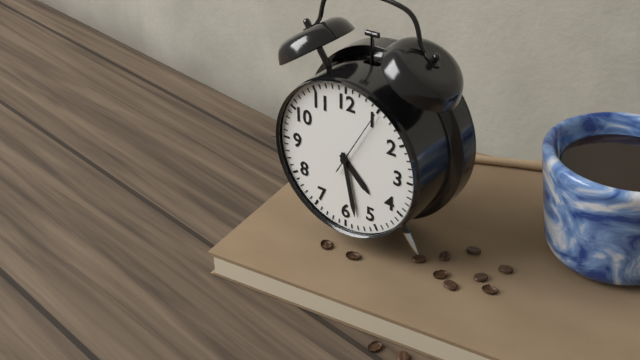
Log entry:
4 h 28 min 05 s
